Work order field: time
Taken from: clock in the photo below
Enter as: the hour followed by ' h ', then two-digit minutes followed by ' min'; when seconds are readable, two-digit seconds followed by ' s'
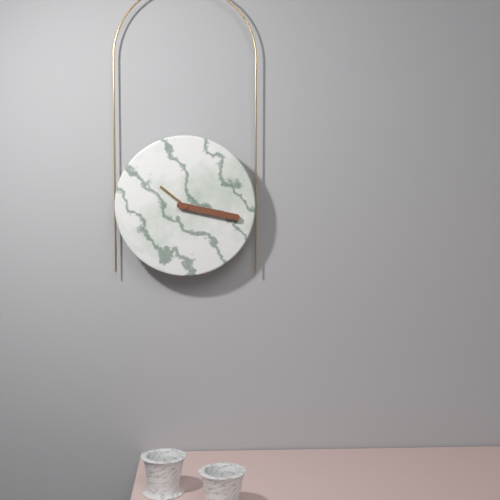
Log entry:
10 h 17 min
